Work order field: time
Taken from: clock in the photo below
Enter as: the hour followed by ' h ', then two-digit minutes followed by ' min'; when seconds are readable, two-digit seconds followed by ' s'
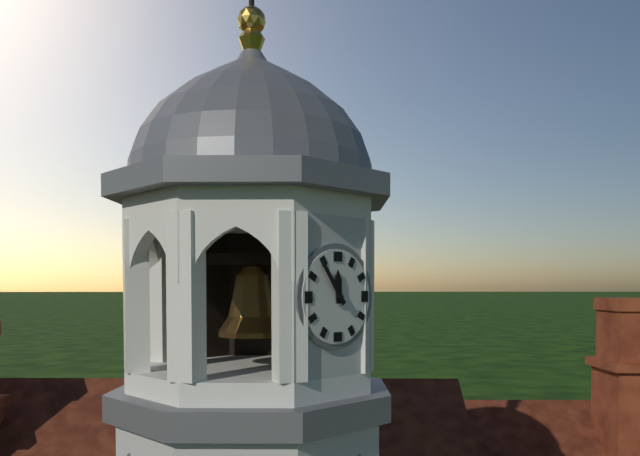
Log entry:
11 h 54 min
